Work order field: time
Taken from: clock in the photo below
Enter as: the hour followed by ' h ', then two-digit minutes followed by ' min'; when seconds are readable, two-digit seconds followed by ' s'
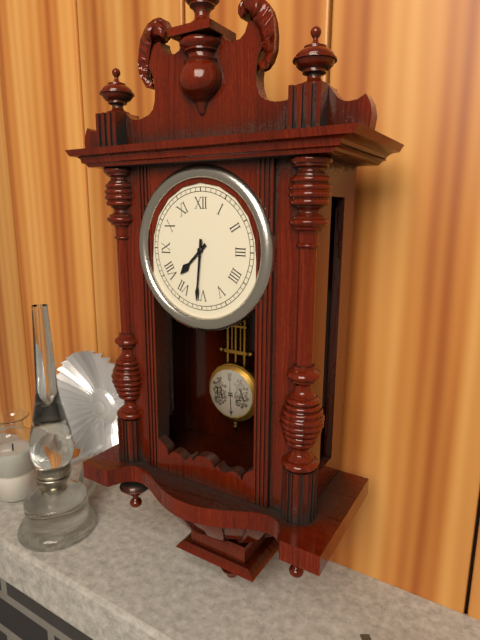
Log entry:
7 h 31 min
